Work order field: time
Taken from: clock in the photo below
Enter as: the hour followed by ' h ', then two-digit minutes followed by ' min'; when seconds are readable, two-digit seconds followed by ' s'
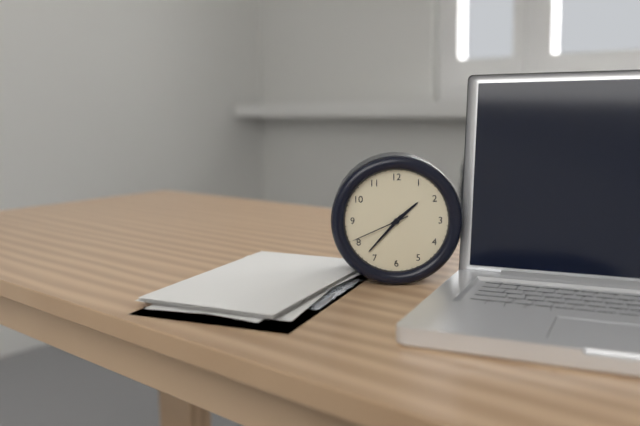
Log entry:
1 h 37 min 41 s
